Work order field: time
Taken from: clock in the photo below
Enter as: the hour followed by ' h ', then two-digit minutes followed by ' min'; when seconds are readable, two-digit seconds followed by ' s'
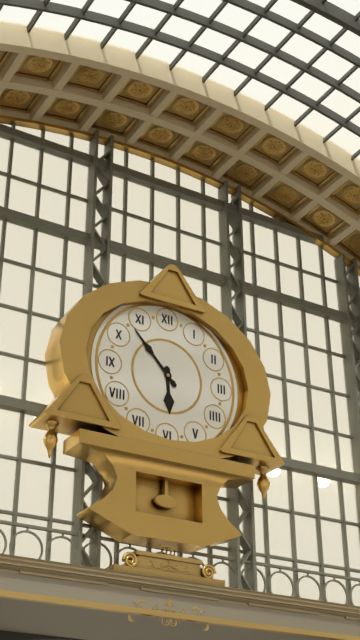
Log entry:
5 h 53 min
